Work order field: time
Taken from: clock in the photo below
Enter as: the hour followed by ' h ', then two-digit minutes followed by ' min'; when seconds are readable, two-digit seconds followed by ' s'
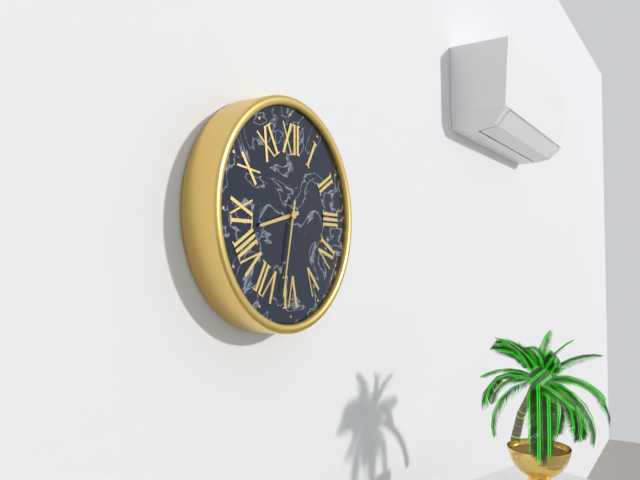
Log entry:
8 h 32 min
